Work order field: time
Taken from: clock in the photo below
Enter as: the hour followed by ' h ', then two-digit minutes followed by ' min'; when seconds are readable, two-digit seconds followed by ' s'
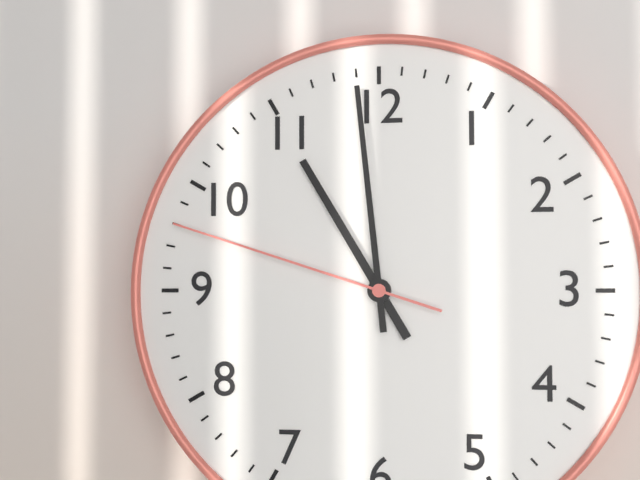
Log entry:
10 h 59 min 48 s
